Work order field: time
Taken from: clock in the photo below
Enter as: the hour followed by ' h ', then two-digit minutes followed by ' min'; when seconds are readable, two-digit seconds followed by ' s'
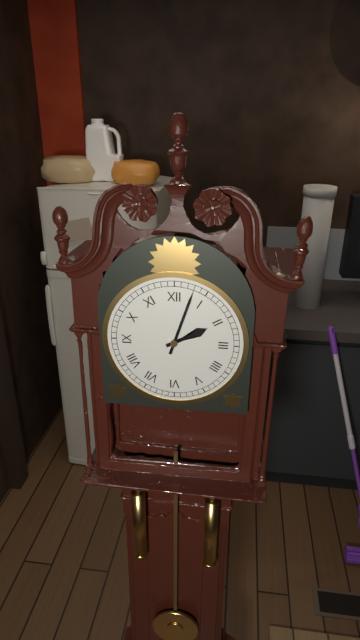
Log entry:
2 h 03 min
